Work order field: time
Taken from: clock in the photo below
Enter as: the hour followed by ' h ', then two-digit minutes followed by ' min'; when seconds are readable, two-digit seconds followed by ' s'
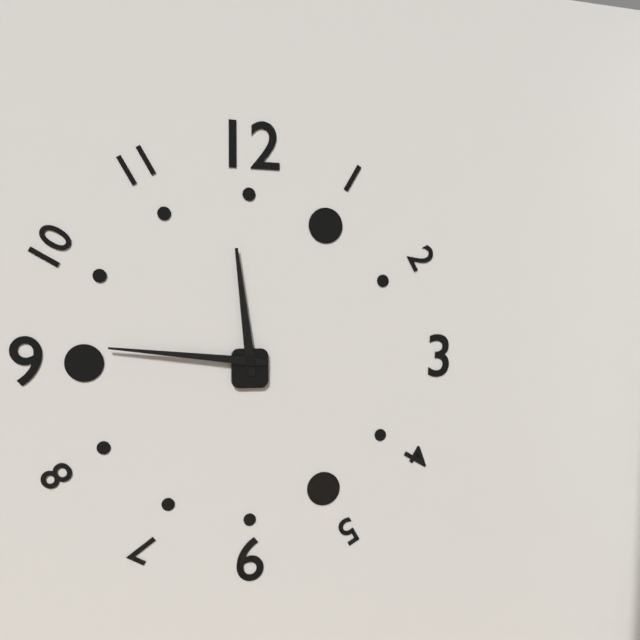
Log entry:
11 h 46 min
